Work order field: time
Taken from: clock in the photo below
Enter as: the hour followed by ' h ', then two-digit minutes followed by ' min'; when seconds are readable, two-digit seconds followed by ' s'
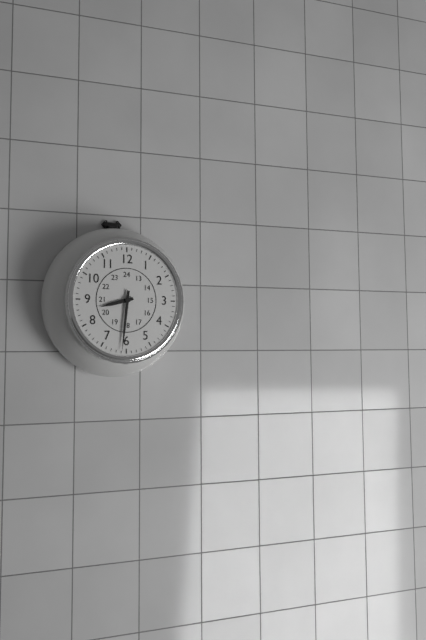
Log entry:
8 h 31 min
